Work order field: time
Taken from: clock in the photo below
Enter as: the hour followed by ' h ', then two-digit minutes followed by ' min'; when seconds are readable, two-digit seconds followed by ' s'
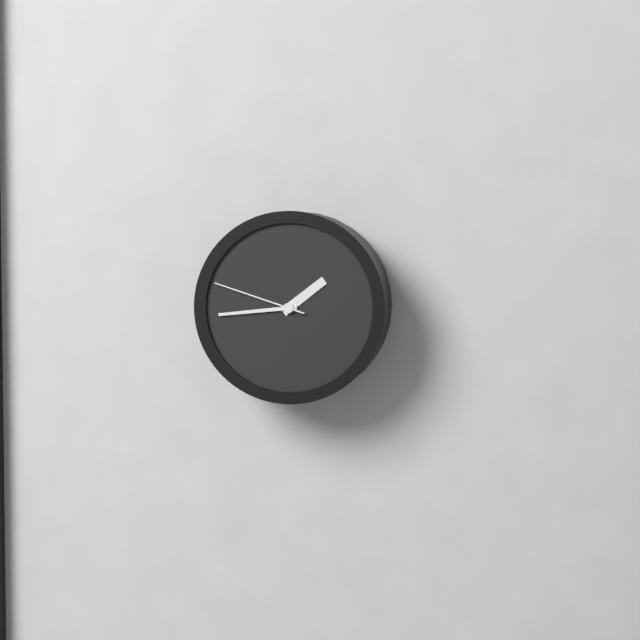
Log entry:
1 h 44 min 48 s
